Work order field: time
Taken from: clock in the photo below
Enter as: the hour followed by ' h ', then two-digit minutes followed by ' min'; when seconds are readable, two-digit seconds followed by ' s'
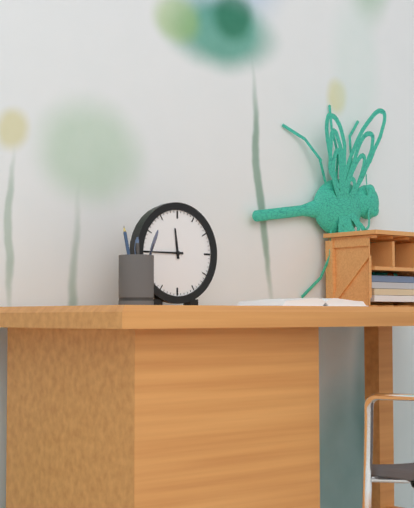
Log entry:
11 h 45 min
